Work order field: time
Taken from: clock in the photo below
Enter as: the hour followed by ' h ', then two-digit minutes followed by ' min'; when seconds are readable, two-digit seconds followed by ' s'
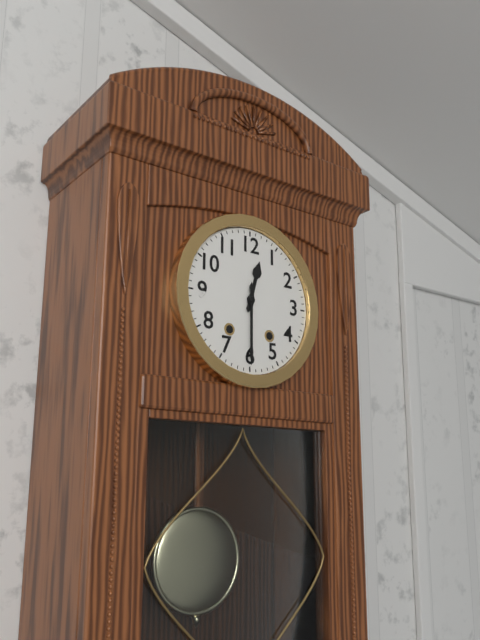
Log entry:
12 h 30 min
